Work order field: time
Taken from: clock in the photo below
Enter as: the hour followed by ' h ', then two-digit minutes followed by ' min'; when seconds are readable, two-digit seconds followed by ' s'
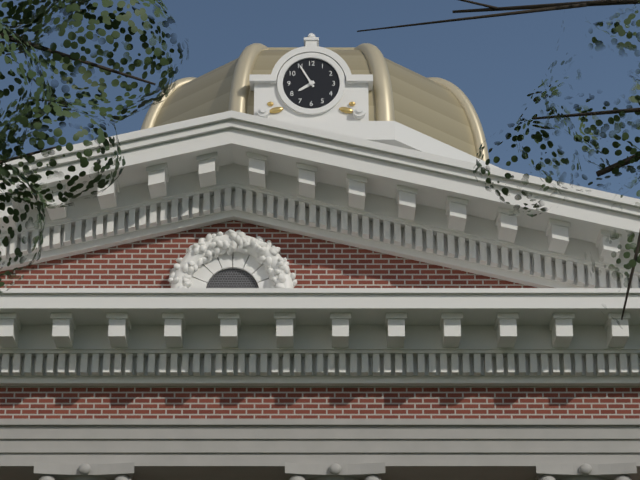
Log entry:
7 h 55 min
